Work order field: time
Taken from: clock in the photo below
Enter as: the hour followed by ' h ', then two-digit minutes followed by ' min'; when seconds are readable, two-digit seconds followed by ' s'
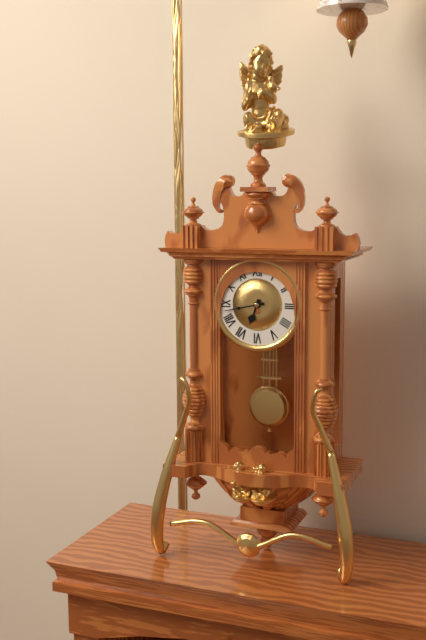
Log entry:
6 h 43 min
